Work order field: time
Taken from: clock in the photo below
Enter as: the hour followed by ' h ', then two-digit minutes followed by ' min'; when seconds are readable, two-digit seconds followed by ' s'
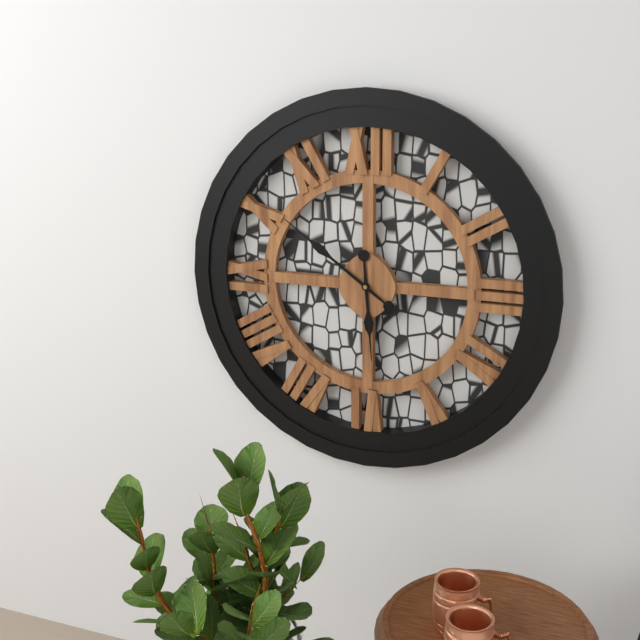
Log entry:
5 h 51 min
